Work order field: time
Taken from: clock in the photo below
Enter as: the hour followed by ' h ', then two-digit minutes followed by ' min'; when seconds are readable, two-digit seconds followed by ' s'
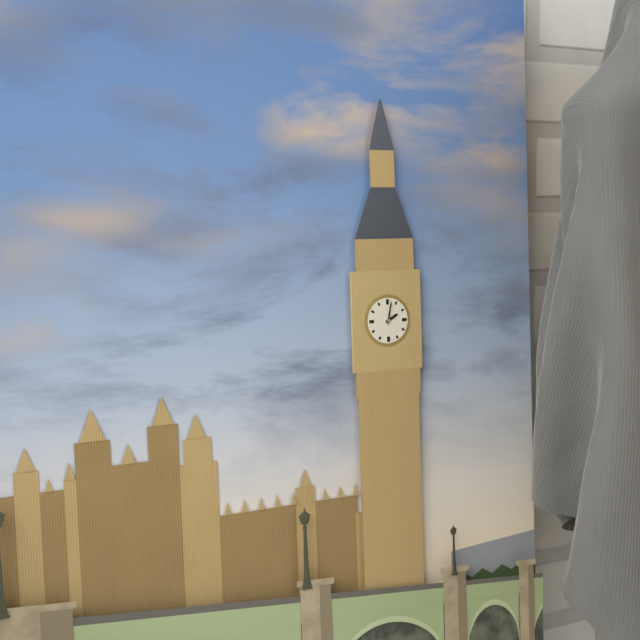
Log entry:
2 h 02 min
